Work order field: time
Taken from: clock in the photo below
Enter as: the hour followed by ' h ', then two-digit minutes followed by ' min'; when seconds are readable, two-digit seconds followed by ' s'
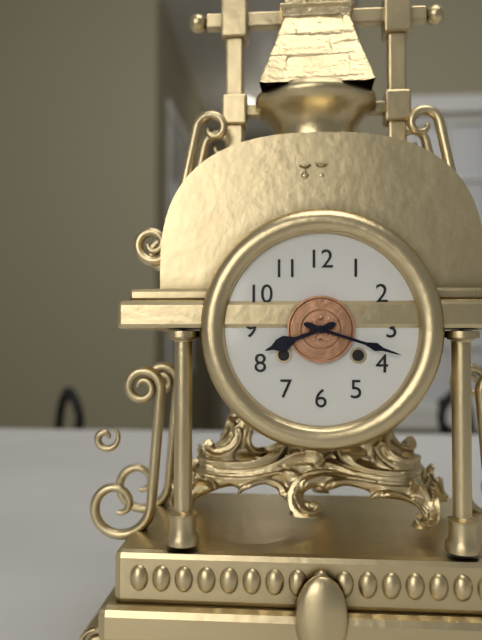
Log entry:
8 h 18 min
